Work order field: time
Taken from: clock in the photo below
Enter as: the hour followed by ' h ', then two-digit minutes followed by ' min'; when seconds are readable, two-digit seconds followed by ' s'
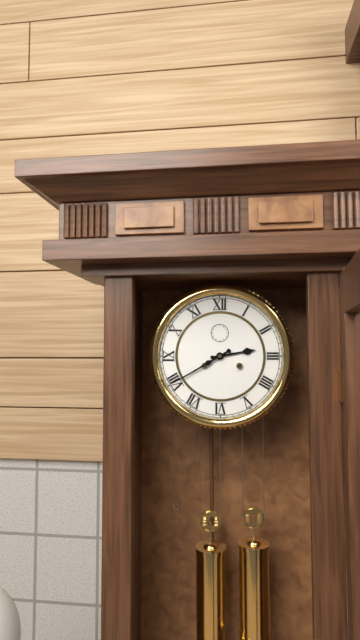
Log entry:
2 h 40 min
